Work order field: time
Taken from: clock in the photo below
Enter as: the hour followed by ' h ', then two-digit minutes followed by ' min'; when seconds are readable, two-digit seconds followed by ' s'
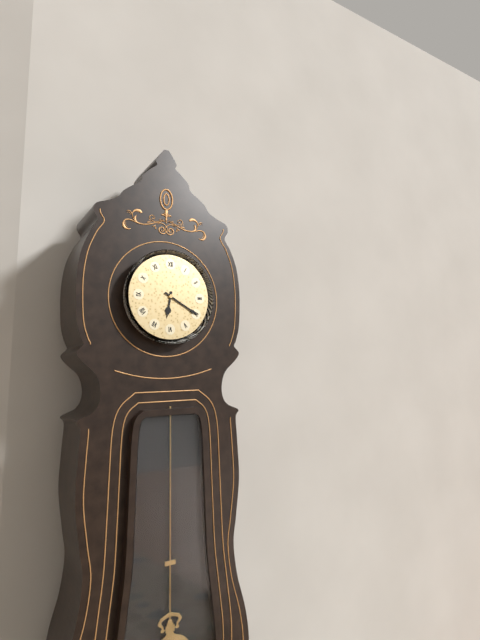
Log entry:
6 h 20 min
